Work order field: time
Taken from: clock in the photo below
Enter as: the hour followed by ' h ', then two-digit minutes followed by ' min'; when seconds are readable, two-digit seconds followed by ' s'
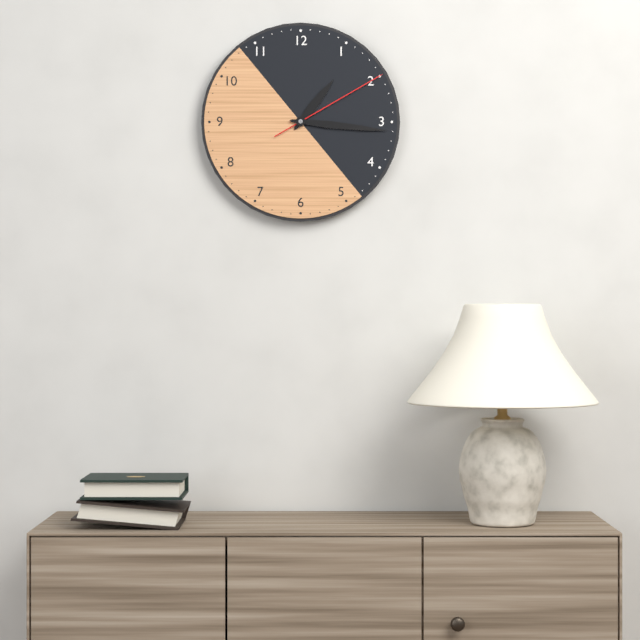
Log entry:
1 h 16 min 10 s
